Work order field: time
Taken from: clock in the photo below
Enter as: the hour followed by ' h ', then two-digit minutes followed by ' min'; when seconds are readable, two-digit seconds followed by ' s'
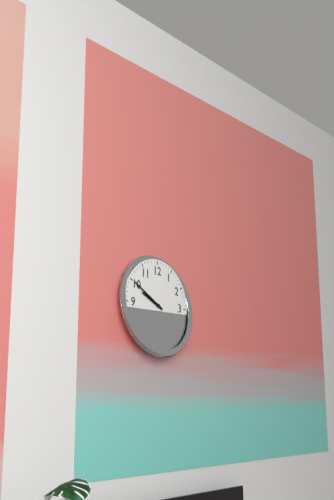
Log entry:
9 h 50 min
